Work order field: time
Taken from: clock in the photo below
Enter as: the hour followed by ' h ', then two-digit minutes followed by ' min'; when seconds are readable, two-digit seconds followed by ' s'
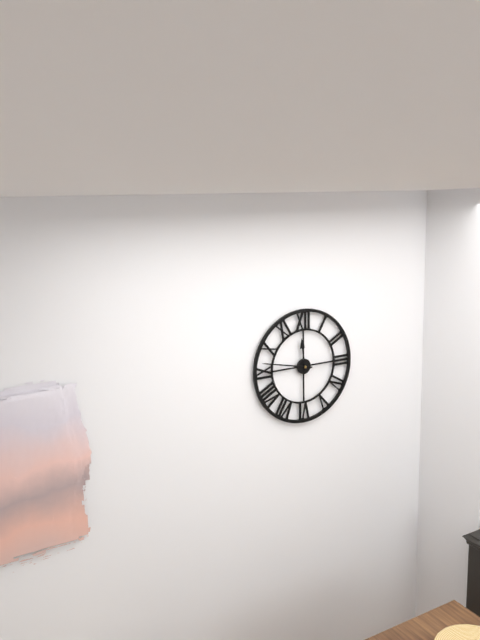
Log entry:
11 h 47 min
